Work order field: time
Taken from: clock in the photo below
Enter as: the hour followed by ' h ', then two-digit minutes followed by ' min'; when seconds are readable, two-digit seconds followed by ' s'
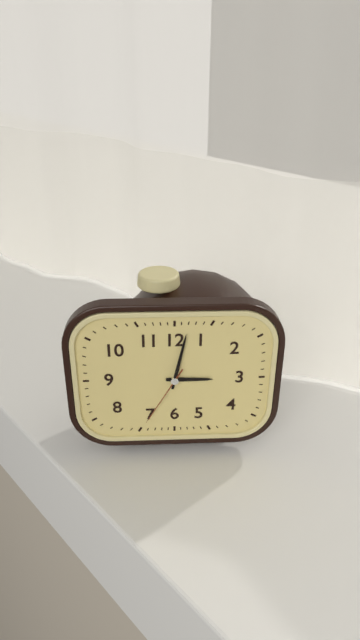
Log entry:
3 h 02 min 35 s
